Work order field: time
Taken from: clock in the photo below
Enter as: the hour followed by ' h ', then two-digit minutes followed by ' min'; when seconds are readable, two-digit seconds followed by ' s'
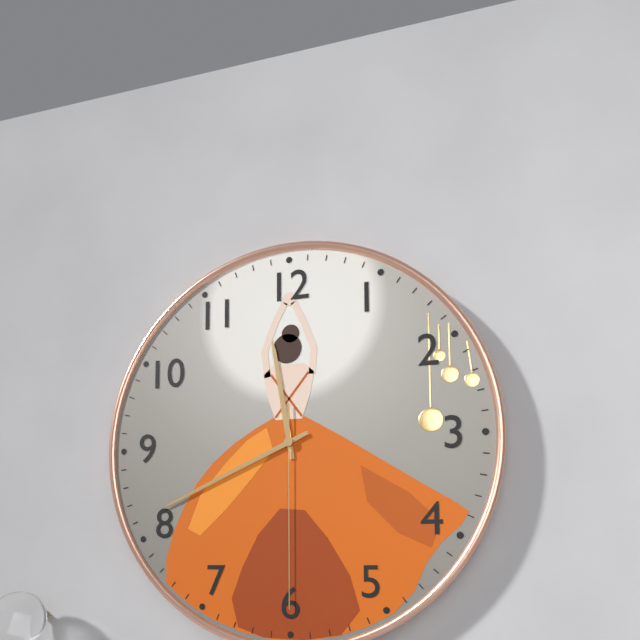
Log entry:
11 h 41 min 30 s
